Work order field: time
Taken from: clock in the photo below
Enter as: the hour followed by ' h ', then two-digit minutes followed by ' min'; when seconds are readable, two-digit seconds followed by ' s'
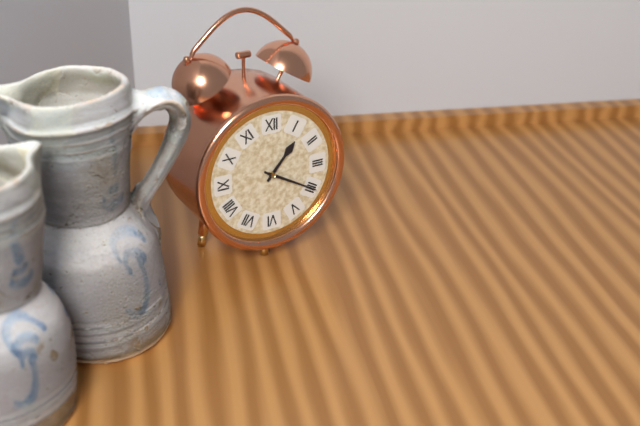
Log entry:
1 h 20 min
